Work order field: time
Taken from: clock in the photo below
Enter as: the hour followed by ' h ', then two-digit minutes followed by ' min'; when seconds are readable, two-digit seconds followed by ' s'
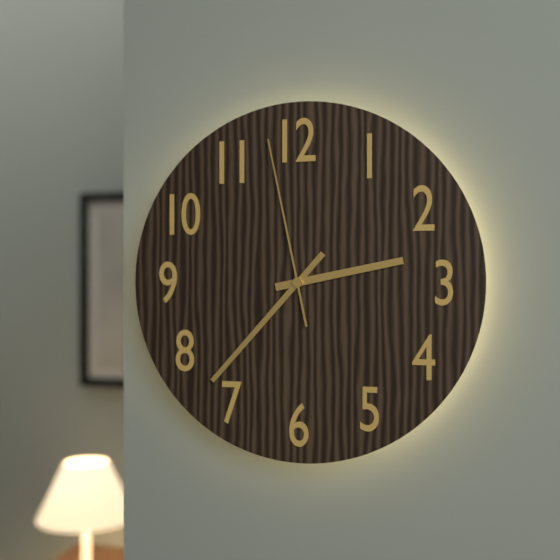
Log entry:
2 h 37 min 58 s
